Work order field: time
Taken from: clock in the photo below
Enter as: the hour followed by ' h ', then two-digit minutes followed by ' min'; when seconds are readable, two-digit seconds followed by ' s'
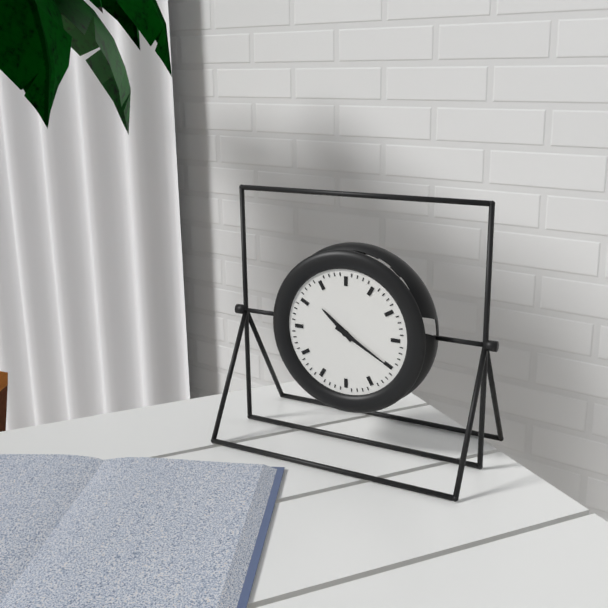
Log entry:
10 h 20 min
